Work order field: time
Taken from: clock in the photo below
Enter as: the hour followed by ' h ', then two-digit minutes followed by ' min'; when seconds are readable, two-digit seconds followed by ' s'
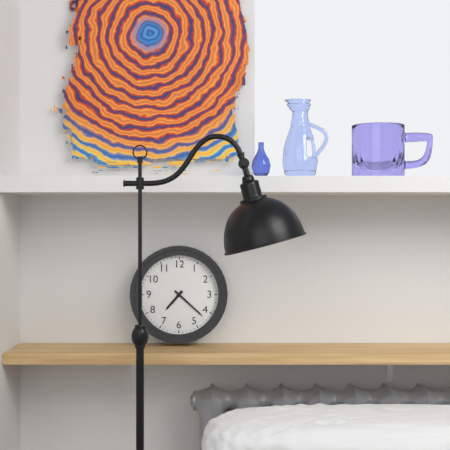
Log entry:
7 h 22 min
